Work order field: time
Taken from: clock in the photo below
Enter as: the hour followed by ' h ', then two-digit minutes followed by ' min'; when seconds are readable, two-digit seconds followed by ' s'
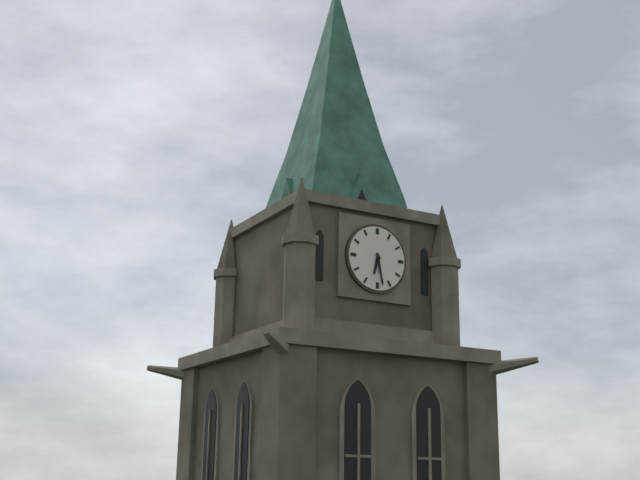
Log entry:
6 h 28 min
